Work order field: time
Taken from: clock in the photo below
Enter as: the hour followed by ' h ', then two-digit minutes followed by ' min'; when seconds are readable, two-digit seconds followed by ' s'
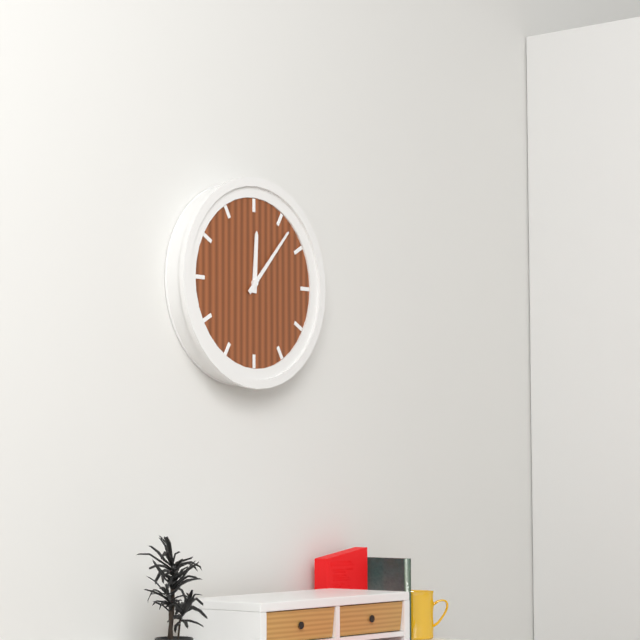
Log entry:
12 h 07 min
